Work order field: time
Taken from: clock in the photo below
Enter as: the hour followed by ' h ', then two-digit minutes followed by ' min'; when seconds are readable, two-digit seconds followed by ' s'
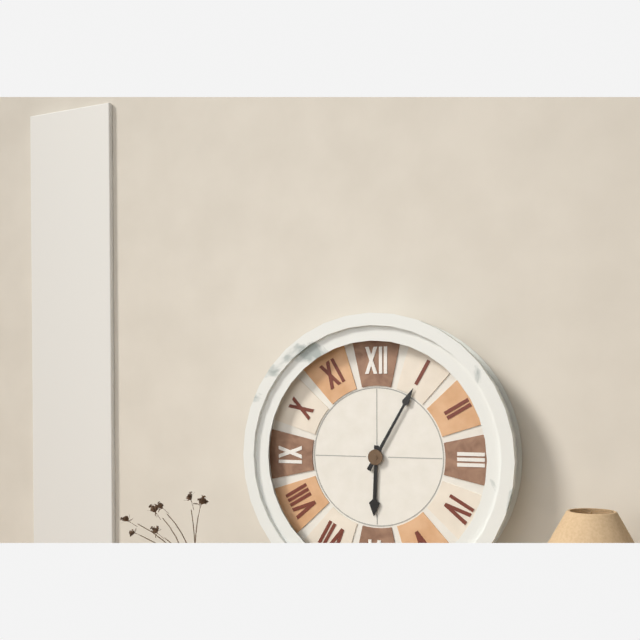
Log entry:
6 h 05 min
